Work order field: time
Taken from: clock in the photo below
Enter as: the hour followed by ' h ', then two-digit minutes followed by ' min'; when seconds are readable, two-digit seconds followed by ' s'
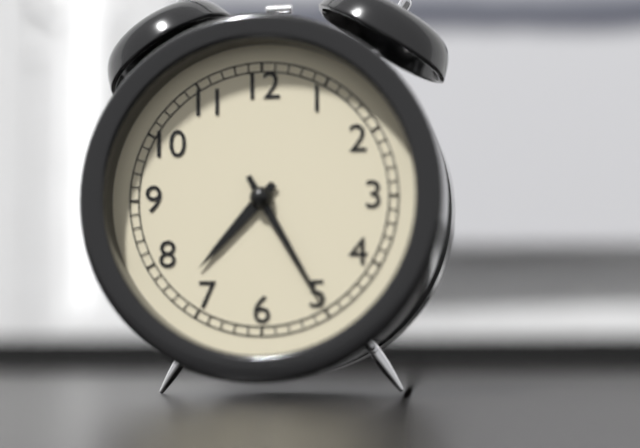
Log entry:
7 h 25 min
